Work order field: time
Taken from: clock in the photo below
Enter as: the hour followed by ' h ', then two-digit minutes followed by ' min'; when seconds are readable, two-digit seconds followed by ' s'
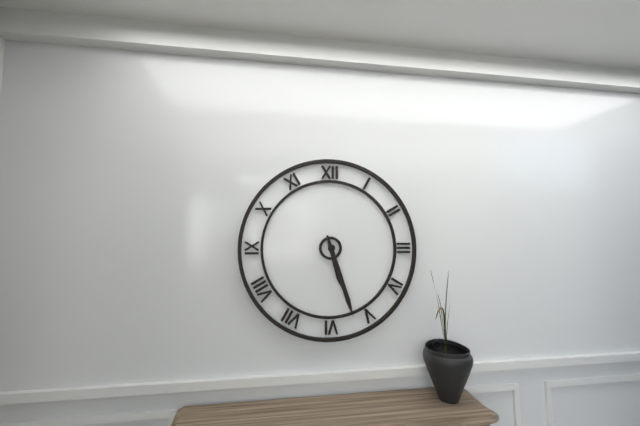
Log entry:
5 h 27 min
